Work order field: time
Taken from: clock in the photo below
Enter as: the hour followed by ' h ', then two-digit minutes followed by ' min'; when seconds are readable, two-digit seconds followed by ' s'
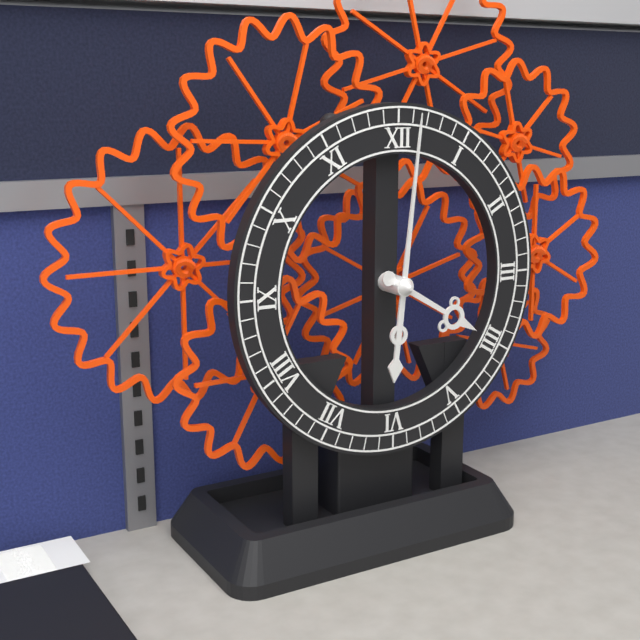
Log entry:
4 h 01 min
